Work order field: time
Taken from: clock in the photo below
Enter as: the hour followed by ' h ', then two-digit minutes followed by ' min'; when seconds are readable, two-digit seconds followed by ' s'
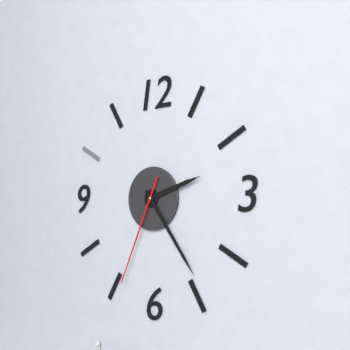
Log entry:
2 h 24 min 34 s
